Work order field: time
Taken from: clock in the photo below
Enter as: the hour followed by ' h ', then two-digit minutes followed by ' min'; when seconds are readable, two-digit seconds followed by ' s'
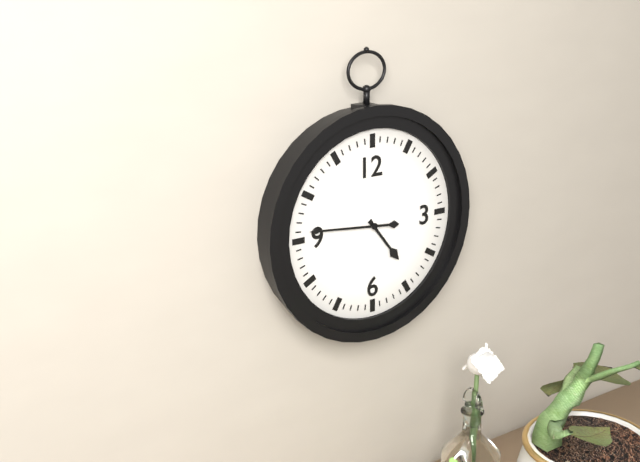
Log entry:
4 h 46 min
